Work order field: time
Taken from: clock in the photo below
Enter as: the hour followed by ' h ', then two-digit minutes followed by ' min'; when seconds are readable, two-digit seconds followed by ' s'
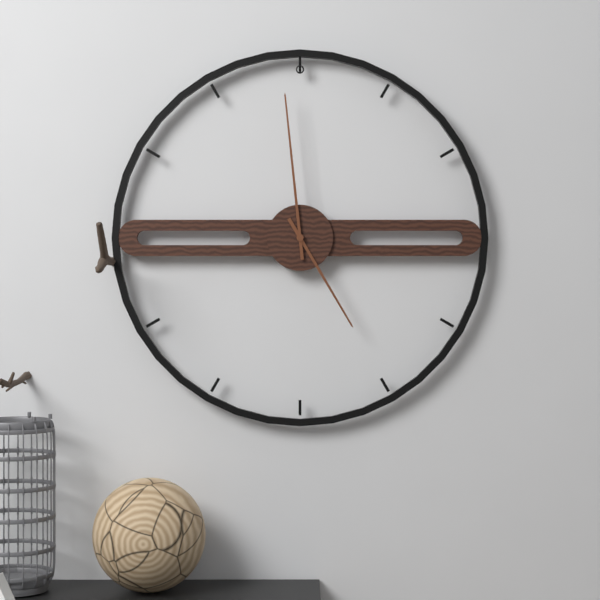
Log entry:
4 h 59 min
